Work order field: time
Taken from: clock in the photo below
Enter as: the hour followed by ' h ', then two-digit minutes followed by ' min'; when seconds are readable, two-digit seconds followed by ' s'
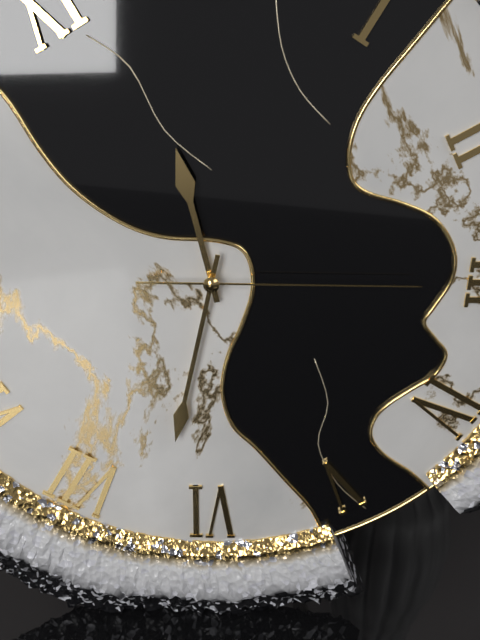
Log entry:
11 h 32 min 15 s
